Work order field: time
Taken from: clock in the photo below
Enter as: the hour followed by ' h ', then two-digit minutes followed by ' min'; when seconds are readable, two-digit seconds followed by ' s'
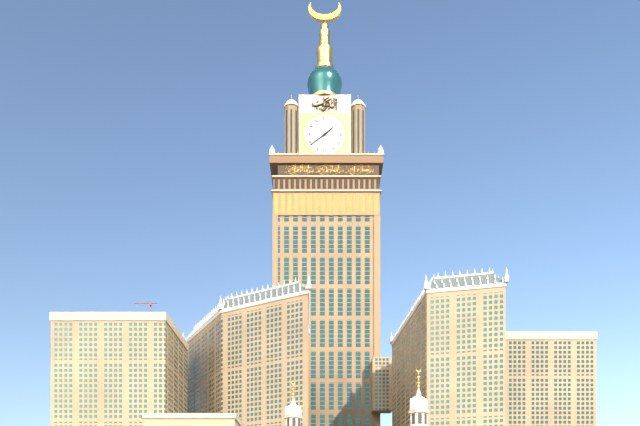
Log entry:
1 h 39 min
